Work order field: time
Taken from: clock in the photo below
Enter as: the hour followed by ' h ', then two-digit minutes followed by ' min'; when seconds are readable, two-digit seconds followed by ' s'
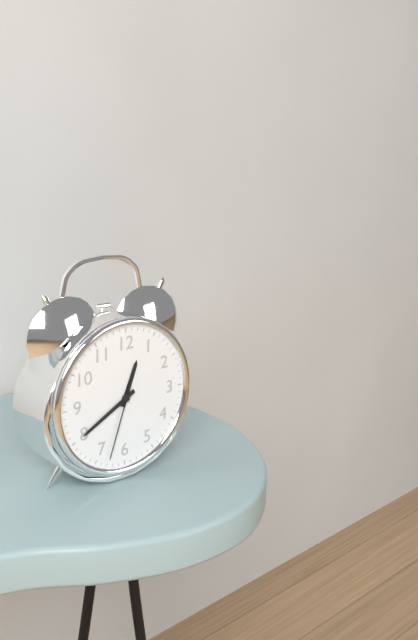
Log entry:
12 h 40 min 33 s
